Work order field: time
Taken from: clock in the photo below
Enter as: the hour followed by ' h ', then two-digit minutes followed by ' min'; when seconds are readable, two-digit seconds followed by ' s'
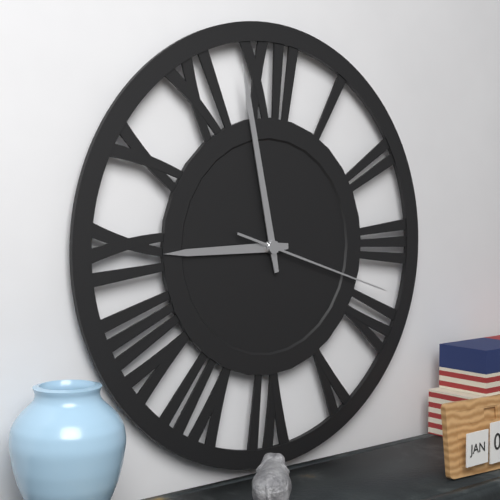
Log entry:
8 h 58 min 18 s
